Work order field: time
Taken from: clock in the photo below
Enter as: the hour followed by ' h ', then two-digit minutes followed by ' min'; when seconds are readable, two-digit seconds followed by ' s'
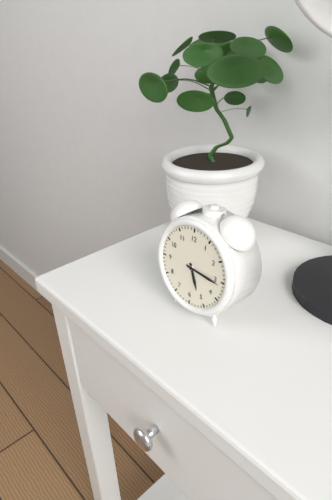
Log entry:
5 h 16 min
